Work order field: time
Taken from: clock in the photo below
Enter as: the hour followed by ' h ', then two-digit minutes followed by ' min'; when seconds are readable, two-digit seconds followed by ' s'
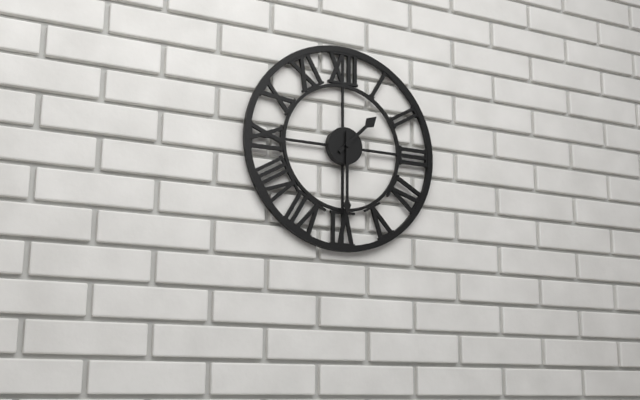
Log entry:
1 h 30 min
